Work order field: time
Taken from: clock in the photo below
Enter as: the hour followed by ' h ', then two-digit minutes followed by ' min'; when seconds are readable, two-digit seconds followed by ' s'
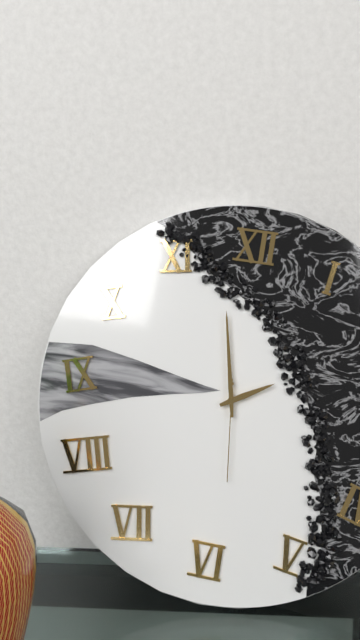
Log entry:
1 h 58 min 29 s
